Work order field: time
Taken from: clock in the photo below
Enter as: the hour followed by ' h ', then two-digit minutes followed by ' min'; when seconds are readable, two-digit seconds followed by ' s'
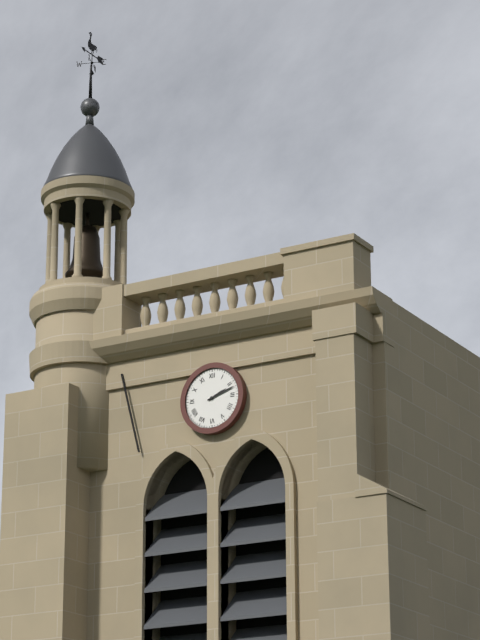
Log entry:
2 h 12 min
